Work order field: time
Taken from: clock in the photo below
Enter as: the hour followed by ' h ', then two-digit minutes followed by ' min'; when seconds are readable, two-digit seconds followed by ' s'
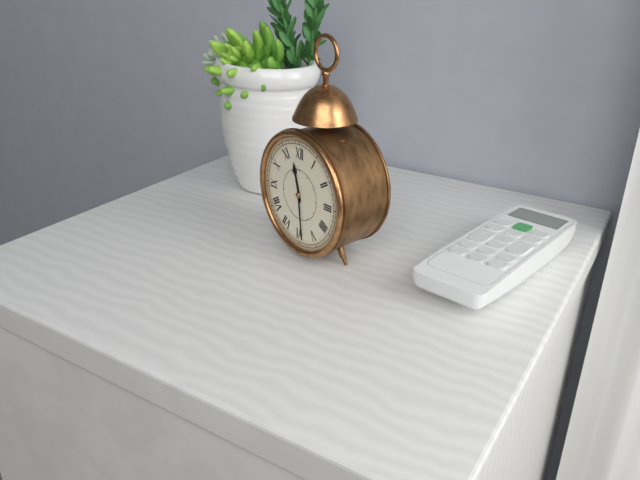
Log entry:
11 h 29 min
